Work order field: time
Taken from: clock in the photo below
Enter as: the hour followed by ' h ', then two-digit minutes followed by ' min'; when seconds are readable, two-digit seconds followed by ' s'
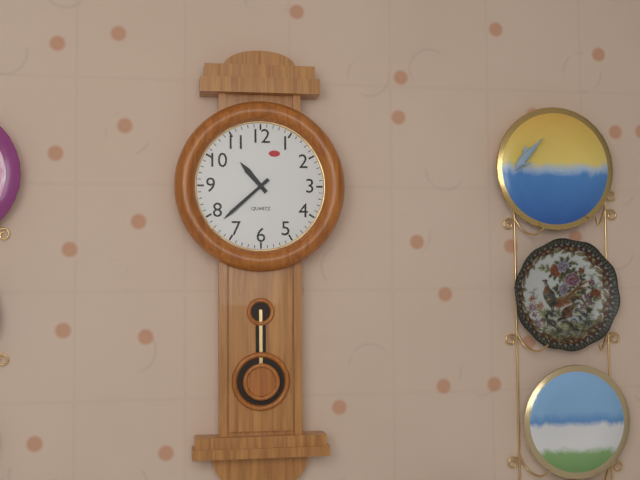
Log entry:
10 h 38 min
